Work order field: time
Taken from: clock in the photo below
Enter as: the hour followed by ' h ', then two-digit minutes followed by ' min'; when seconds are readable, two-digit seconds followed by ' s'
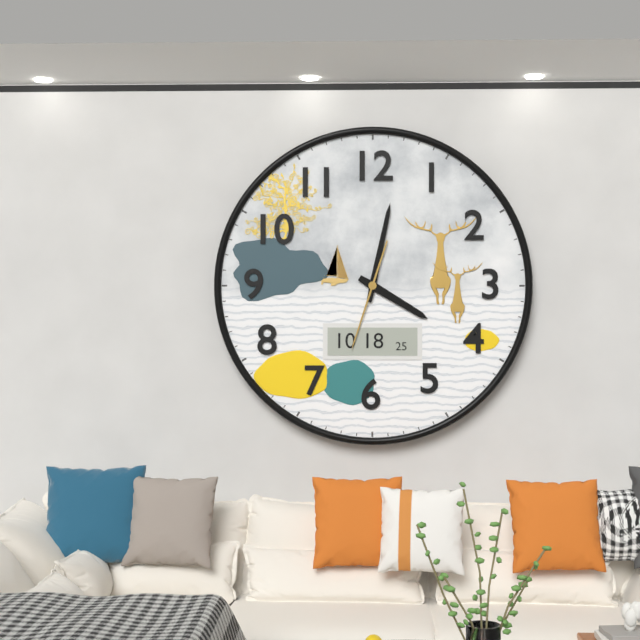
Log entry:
4 h 02 min 33 s
